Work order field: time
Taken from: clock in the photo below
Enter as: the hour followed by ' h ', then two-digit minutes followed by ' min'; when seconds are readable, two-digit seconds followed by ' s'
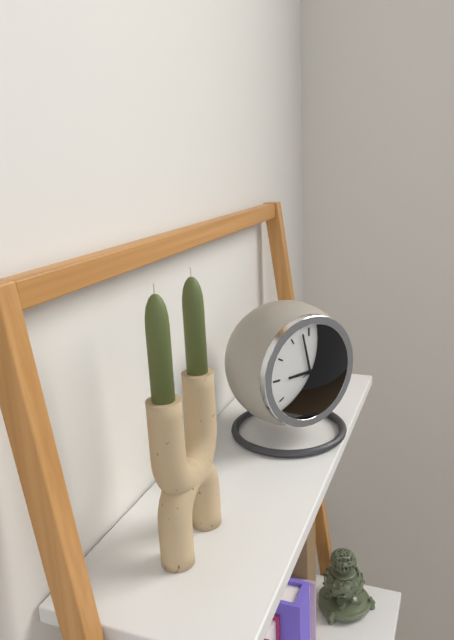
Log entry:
8 h 58 min
